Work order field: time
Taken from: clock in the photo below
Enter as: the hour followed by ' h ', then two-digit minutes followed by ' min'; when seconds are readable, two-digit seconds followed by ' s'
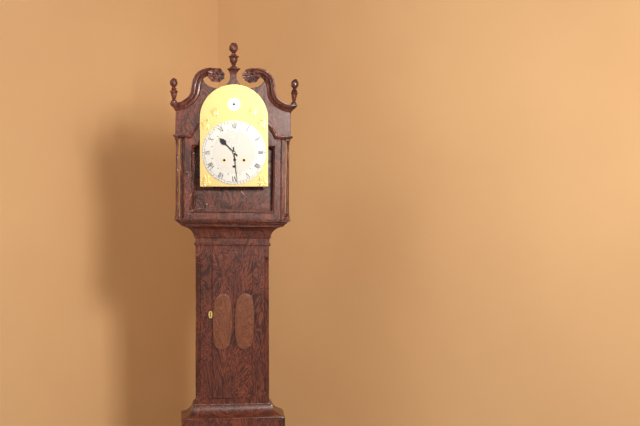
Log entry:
10 h 29 min
